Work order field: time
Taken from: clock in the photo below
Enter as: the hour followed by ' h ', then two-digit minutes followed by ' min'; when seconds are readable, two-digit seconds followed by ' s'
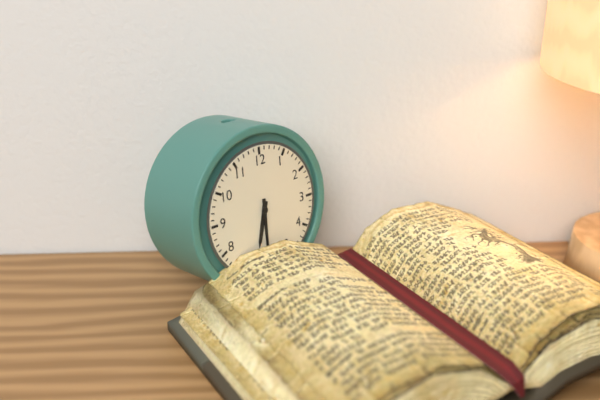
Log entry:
6 h 30 min
